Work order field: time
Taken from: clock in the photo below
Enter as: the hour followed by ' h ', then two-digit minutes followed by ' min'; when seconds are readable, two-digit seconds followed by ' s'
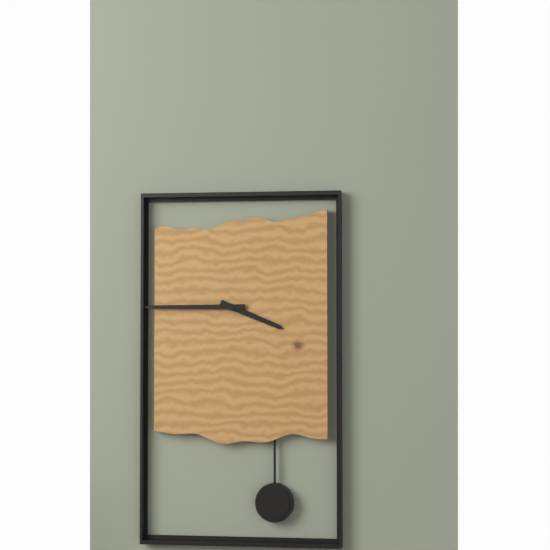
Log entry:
3 h 45 min
